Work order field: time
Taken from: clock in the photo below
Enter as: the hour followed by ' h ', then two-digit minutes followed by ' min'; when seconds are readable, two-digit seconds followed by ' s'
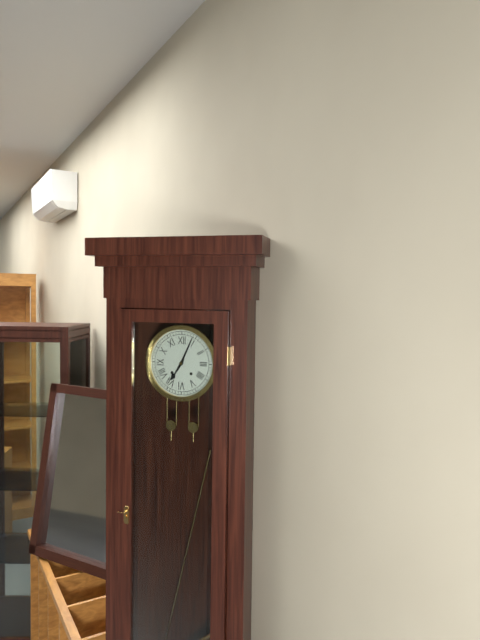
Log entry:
7 h 04 min
